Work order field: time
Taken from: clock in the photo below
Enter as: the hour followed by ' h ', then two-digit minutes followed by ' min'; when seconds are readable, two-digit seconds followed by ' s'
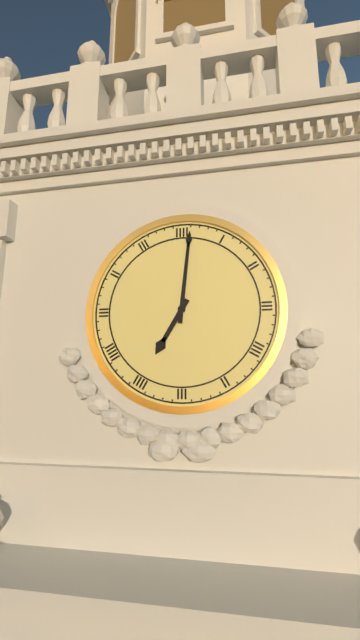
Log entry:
7 h 01 min
